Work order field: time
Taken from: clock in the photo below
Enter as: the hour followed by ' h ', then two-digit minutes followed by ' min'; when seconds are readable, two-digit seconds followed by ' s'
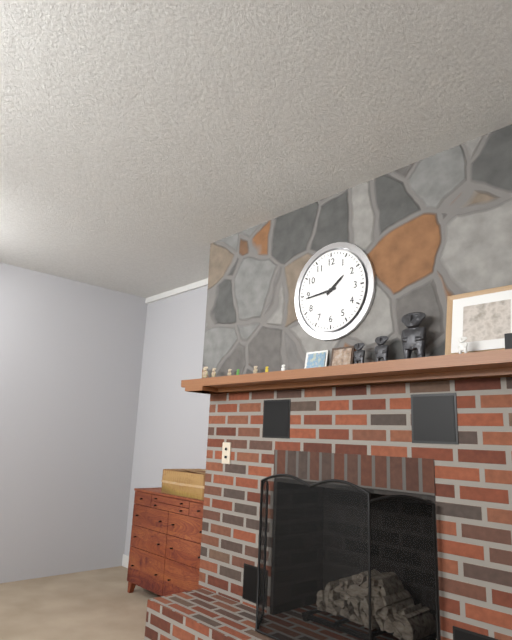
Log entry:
1 h 44 min
